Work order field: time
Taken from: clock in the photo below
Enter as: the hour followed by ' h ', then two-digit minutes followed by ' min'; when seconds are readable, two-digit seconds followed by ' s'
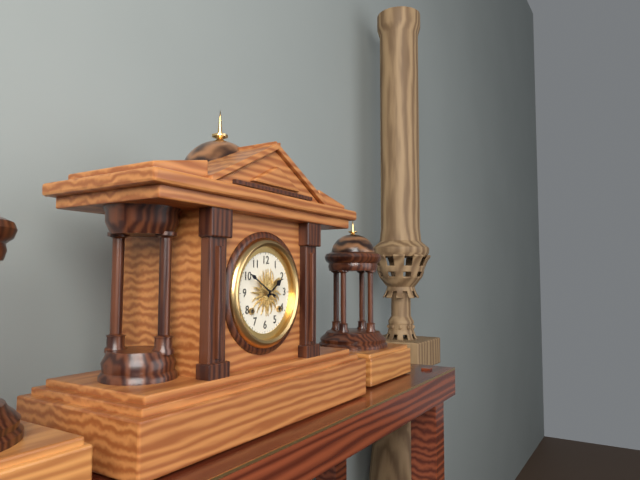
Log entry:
1 h 50 min
